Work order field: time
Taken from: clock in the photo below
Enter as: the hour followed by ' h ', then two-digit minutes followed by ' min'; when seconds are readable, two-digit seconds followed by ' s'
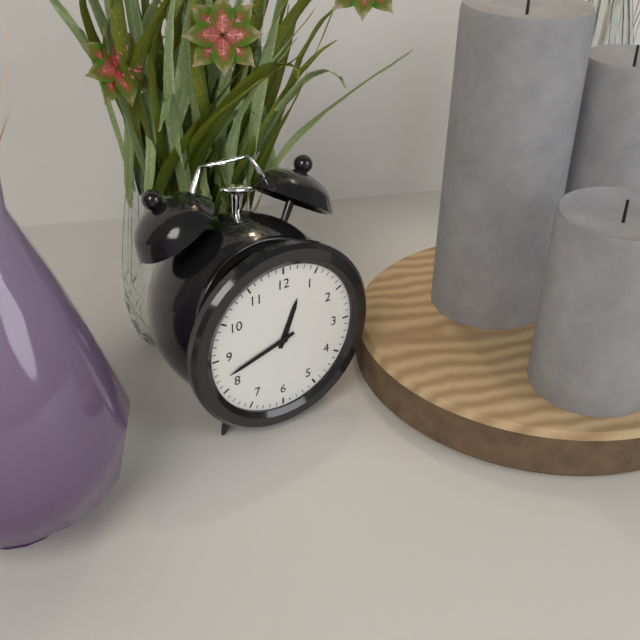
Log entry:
12 h 42 min
